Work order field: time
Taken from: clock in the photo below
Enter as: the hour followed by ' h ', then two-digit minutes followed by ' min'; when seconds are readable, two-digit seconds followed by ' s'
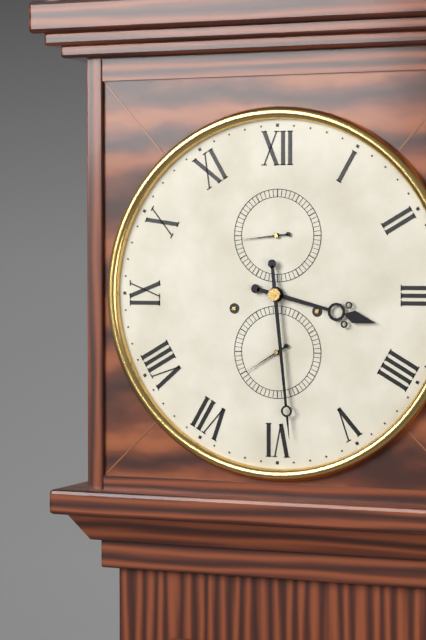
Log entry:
3 h 29 min
